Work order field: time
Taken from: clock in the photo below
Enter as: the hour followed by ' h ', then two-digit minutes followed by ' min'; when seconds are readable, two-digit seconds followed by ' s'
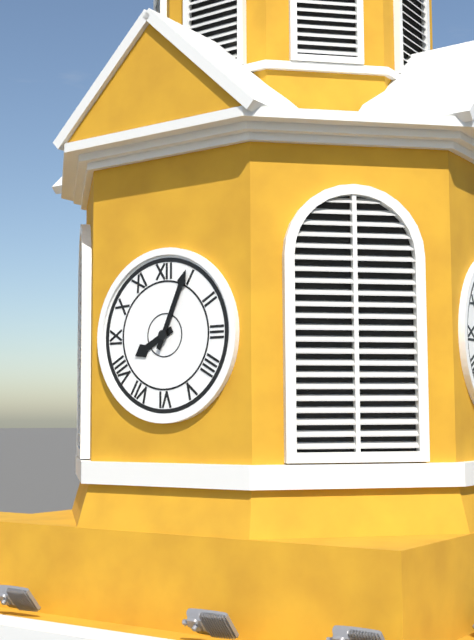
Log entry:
8 h 04 min
